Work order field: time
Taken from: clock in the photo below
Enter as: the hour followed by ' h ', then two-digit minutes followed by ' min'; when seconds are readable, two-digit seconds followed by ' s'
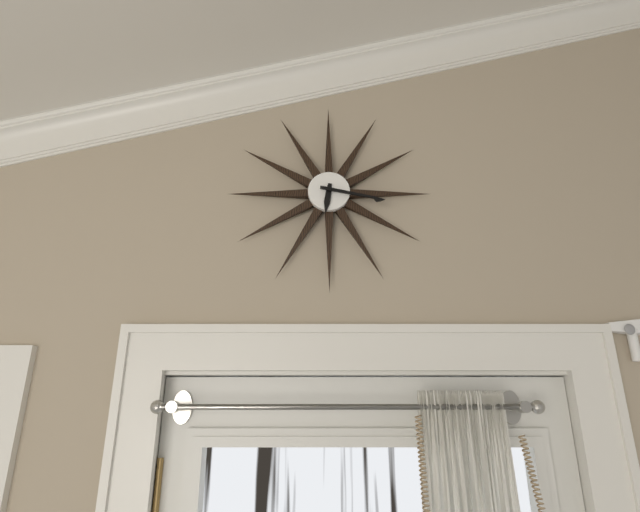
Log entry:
6 h 17 min
